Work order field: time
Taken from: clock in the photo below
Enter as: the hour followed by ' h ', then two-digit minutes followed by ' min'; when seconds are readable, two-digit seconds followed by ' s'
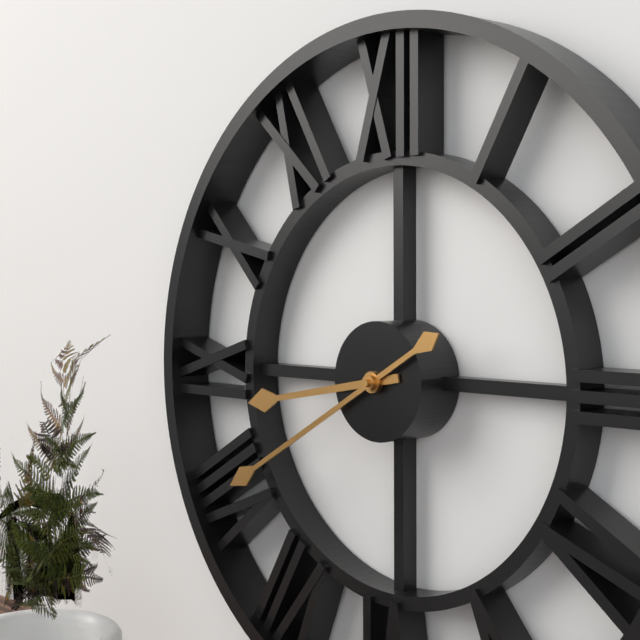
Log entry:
8 h 40 min
